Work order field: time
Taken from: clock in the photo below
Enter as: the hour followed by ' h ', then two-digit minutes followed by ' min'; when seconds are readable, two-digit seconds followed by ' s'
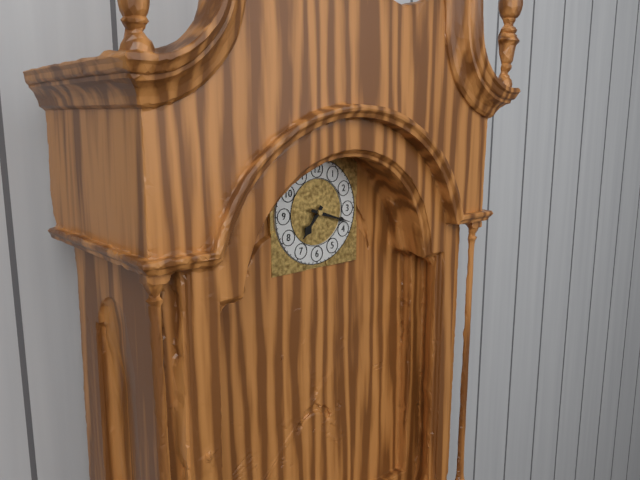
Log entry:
7 h 18 min
